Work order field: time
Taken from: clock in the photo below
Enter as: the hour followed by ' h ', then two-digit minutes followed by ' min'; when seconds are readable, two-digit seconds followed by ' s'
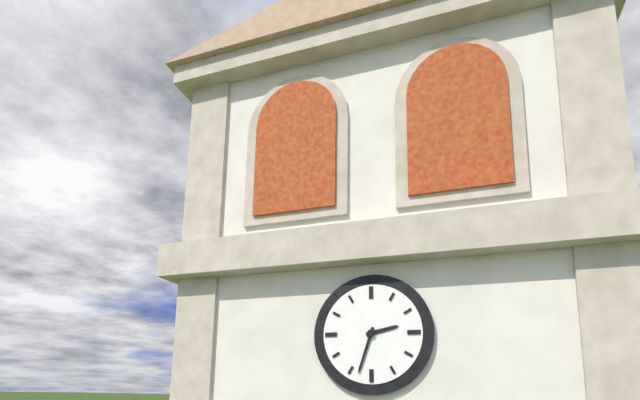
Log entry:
2 h 33 min
